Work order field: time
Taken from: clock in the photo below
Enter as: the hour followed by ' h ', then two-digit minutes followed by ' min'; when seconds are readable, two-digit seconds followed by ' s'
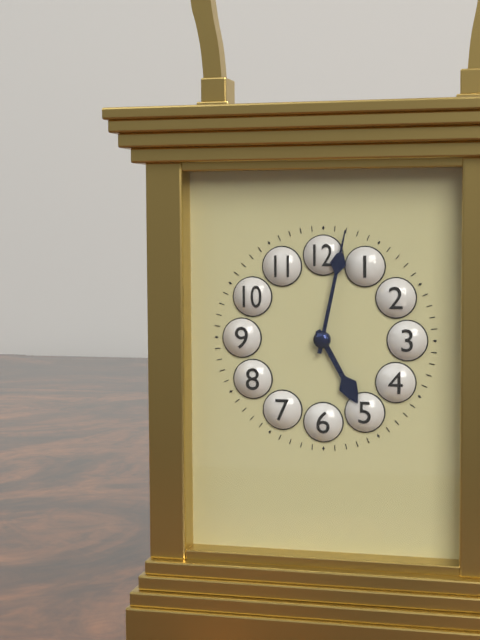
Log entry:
5 h 02 min
